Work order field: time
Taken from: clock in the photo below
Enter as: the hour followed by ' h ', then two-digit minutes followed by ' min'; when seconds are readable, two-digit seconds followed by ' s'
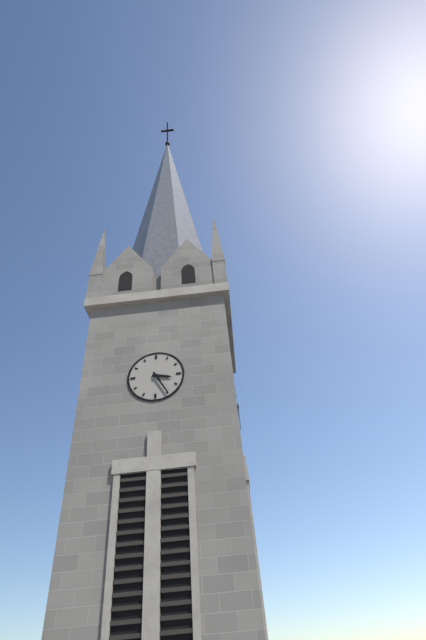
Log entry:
3 h 25 min
